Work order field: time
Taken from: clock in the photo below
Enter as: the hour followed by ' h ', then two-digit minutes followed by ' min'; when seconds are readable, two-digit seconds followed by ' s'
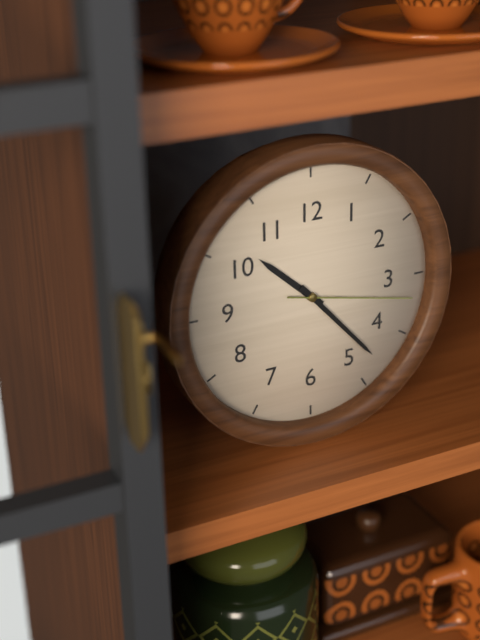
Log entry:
10 h 23 min 17 s
